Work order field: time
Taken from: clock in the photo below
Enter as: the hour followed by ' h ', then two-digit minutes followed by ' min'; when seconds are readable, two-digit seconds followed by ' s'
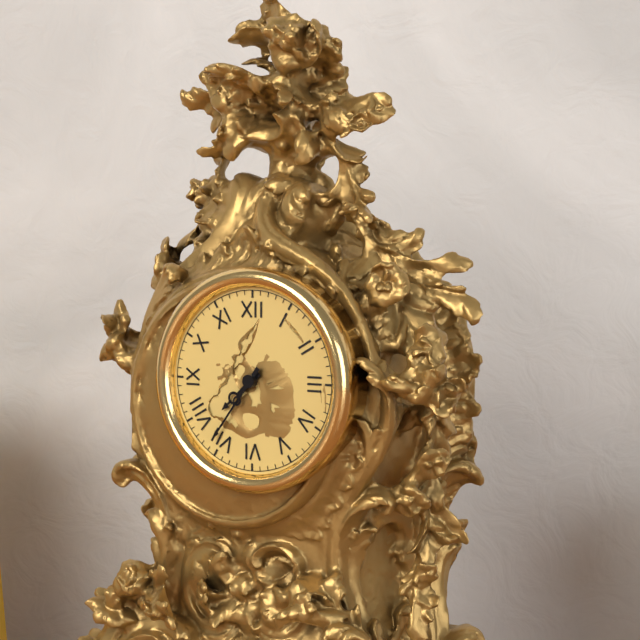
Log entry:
7 h 36 min
